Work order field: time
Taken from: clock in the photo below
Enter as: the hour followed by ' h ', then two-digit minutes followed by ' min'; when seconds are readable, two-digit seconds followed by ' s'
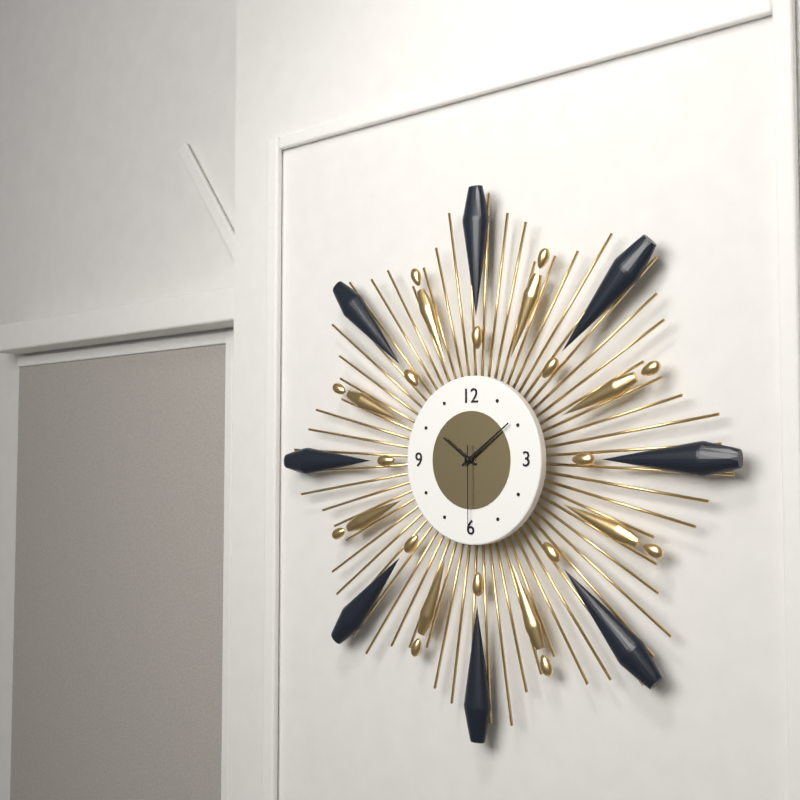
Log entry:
10 h 09 min 30 s
